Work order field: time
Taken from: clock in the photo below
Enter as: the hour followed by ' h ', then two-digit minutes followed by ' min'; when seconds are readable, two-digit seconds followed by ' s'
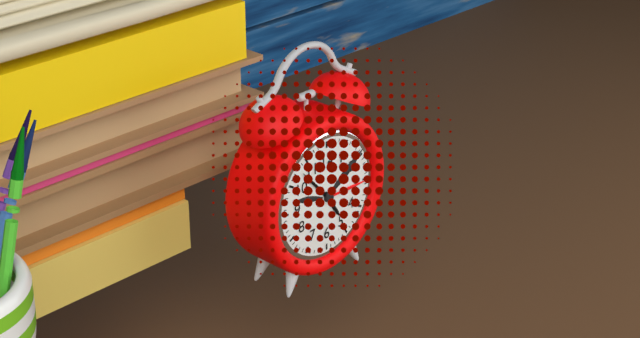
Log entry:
4 h 53 min
